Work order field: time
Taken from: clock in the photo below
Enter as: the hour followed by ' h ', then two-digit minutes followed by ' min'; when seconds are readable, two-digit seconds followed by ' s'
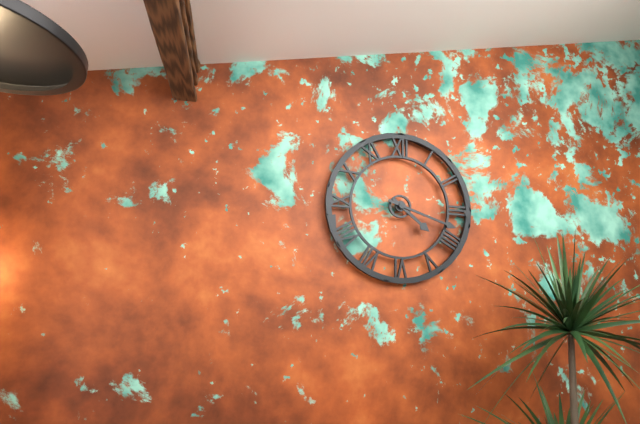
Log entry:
4 h 18 min
